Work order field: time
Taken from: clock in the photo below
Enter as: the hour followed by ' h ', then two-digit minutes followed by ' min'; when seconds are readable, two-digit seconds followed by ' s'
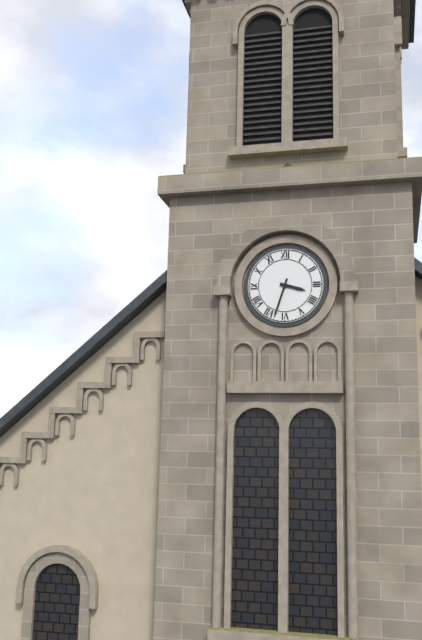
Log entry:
3 h 33 min
